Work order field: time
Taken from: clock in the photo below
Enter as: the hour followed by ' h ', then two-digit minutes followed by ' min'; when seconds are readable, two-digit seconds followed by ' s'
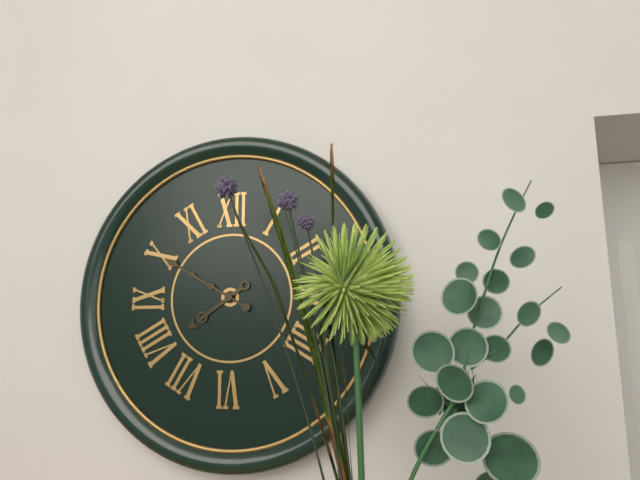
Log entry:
7 h 50 min
